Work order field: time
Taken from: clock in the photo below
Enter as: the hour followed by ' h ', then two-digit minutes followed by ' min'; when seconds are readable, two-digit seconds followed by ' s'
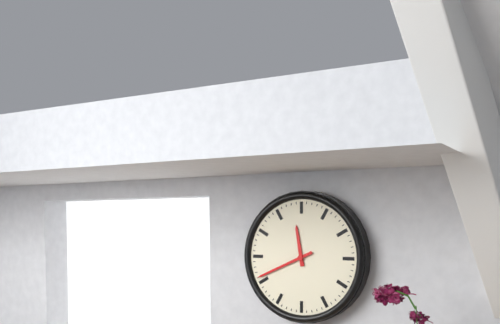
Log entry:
11 h 41 min
